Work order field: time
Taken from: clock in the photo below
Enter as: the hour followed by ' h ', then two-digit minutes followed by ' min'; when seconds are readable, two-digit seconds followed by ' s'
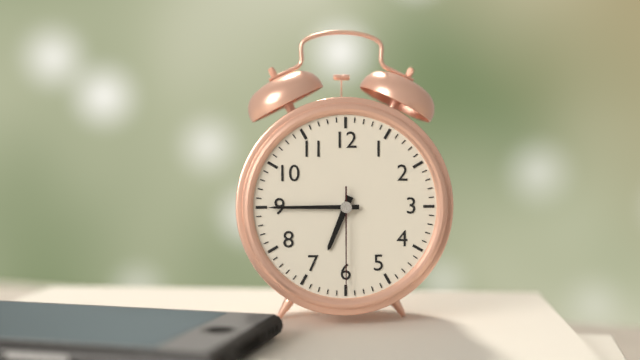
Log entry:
6 h 45 min 30 s
